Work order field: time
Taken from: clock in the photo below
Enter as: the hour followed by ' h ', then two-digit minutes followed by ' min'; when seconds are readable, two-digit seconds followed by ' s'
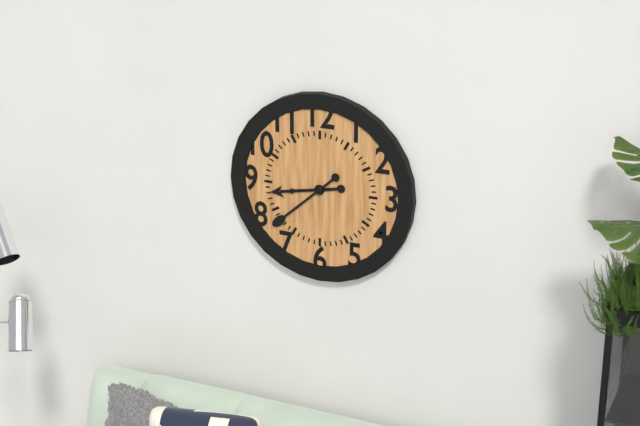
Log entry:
8 h 38 min
